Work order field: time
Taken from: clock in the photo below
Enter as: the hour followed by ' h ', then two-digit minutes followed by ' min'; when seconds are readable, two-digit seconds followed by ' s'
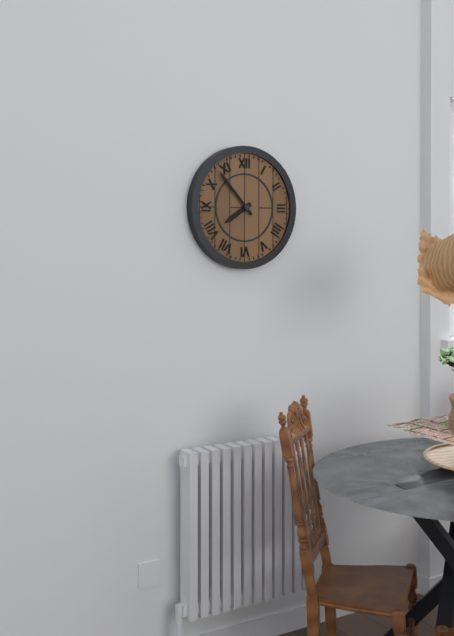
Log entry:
7 h 53 min
